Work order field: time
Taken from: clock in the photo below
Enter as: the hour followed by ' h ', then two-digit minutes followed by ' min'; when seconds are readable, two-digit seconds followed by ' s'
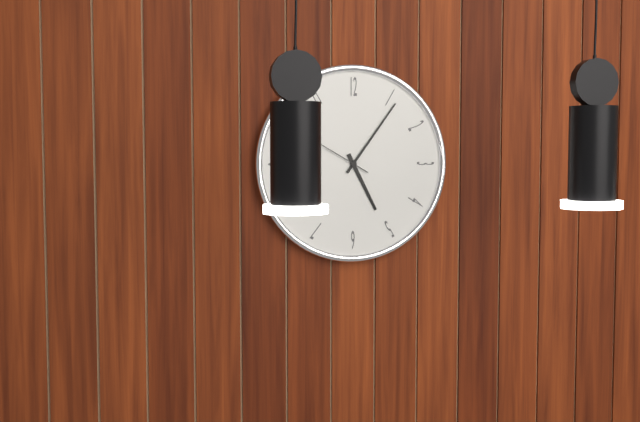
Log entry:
5 h 06 min
